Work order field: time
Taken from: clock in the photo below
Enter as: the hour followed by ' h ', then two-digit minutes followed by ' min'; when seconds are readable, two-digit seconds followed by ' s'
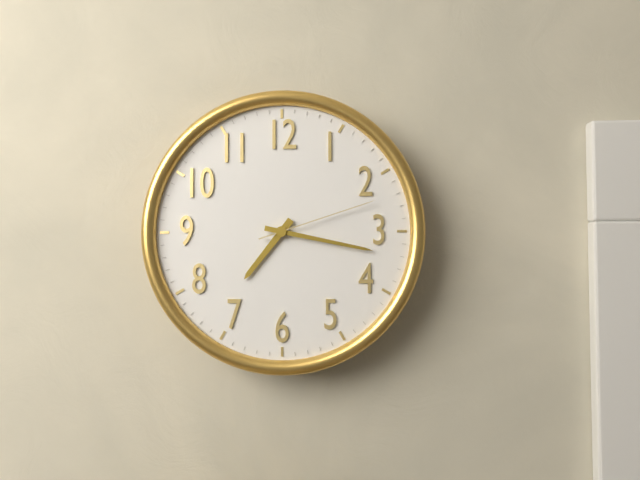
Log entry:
7 h 17 min 12 s
